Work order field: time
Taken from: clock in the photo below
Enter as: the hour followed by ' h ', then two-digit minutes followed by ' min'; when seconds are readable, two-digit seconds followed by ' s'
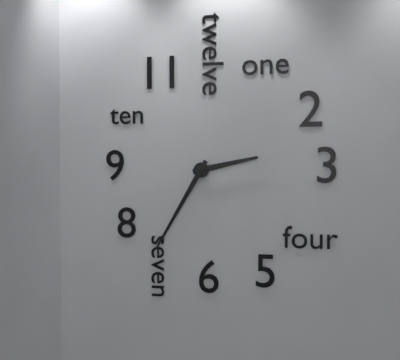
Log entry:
2 h 35 min
